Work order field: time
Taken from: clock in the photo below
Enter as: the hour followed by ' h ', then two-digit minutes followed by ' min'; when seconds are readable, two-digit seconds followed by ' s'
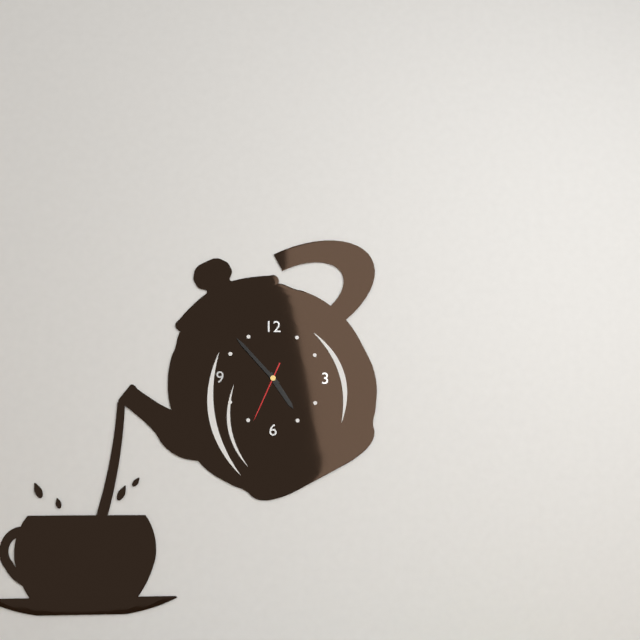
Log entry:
4 h 53 min 34 s
